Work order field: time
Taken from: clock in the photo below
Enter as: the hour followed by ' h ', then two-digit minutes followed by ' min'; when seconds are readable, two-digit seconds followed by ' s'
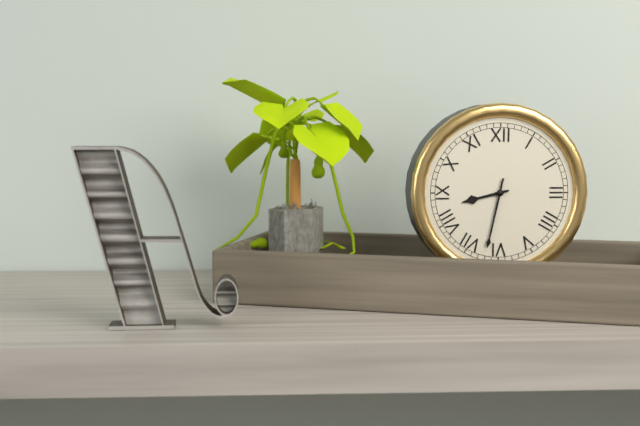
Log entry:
8 h 32 min
